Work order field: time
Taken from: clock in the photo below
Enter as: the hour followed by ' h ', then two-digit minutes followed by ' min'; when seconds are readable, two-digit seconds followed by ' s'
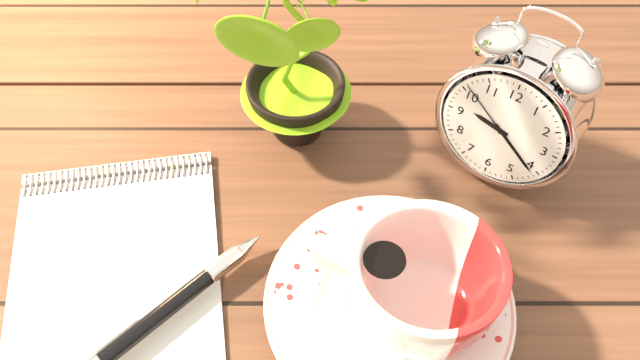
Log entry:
9 h 21 min 51 s
